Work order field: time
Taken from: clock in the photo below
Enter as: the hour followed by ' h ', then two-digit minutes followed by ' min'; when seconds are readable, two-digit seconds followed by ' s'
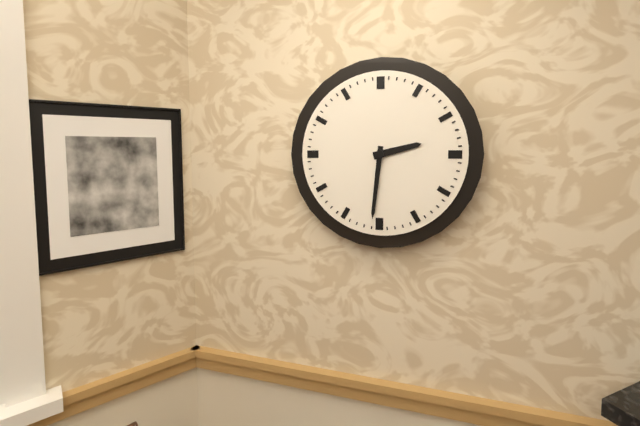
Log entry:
2 h 31 min
